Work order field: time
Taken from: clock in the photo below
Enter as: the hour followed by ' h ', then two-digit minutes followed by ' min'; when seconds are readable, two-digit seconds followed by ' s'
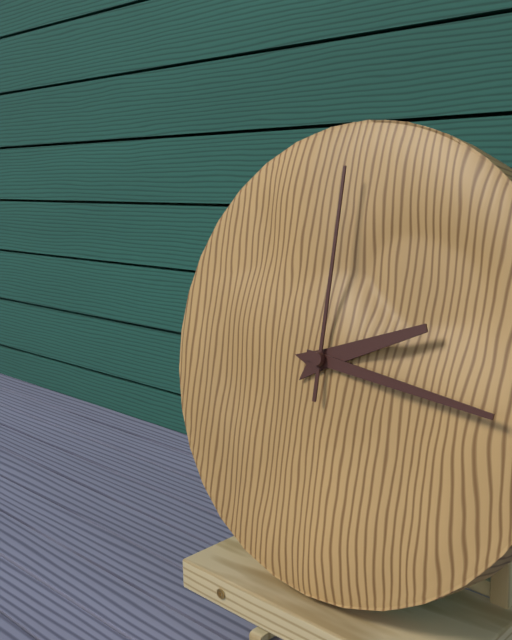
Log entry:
2 h 16 min 00 s
